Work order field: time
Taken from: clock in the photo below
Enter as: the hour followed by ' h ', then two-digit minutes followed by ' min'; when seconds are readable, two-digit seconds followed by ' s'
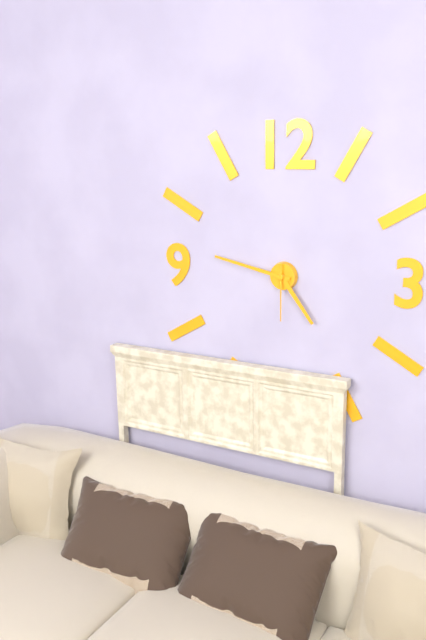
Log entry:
4 h 47 min 30 s
